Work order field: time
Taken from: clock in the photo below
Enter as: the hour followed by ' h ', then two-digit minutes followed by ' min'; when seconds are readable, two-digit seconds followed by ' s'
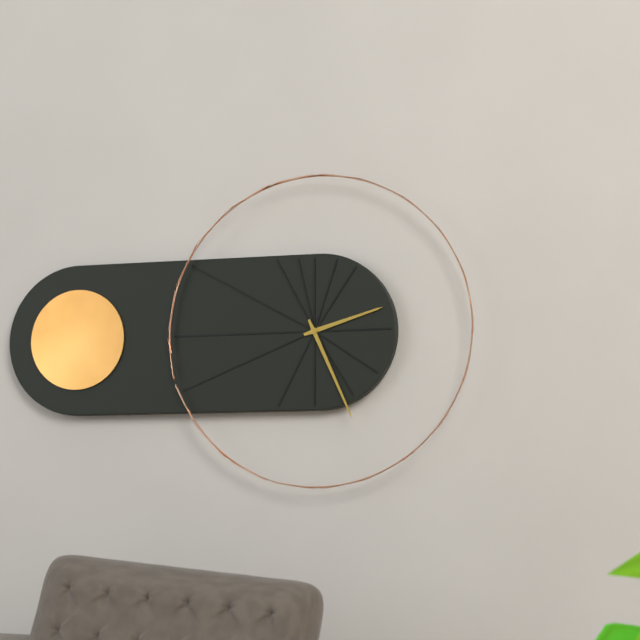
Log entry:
2 h 26 min
